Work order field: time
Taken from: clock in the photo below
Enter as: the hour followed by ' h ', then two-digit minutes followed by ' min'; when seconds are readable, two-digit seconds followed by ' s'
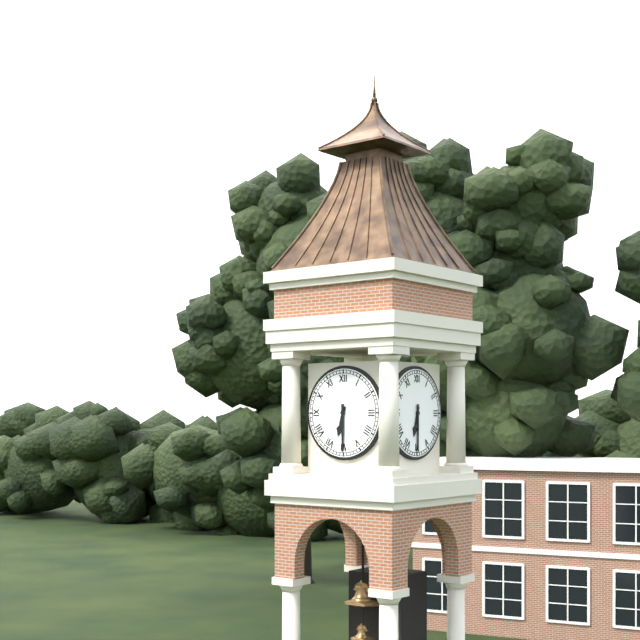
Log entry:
6 h 30 min
